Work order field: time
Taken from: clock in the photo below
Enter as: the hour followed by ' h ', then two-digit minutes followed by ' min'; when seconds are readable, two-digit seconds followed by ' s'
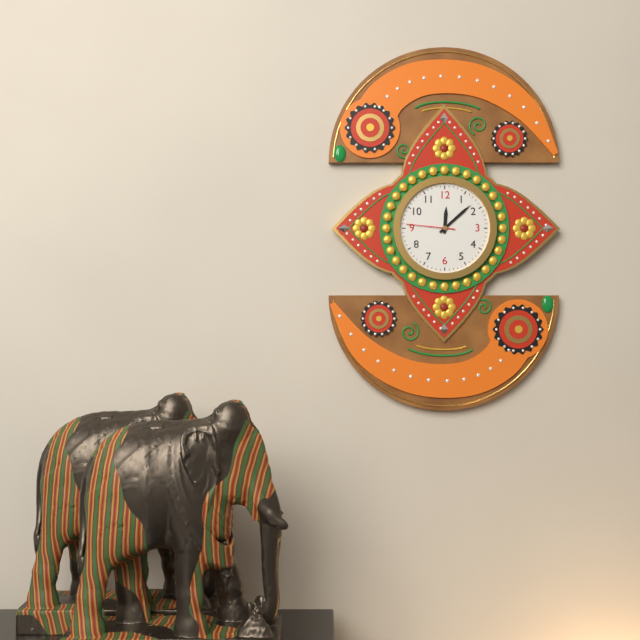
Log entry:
12 h 08 min
